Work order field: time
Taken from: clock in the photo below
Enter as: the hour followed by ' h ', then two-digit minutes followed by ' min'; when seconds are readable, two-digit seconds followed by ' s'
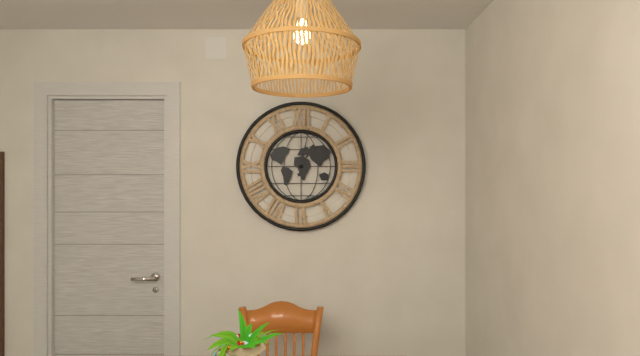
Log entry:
1 h 02 min
